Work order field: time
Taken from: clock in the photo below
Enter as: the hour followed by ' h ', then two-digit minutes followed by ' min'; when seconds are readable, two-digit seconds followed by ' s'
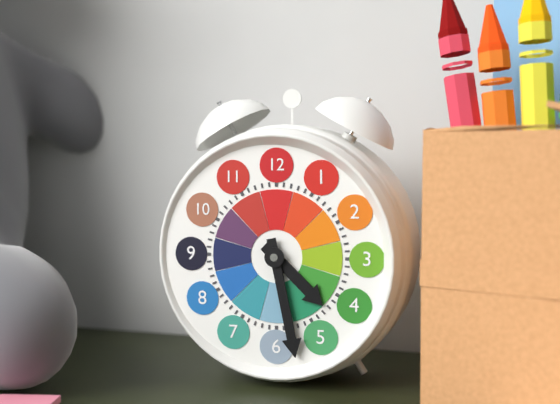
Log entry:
4 h 28 min
